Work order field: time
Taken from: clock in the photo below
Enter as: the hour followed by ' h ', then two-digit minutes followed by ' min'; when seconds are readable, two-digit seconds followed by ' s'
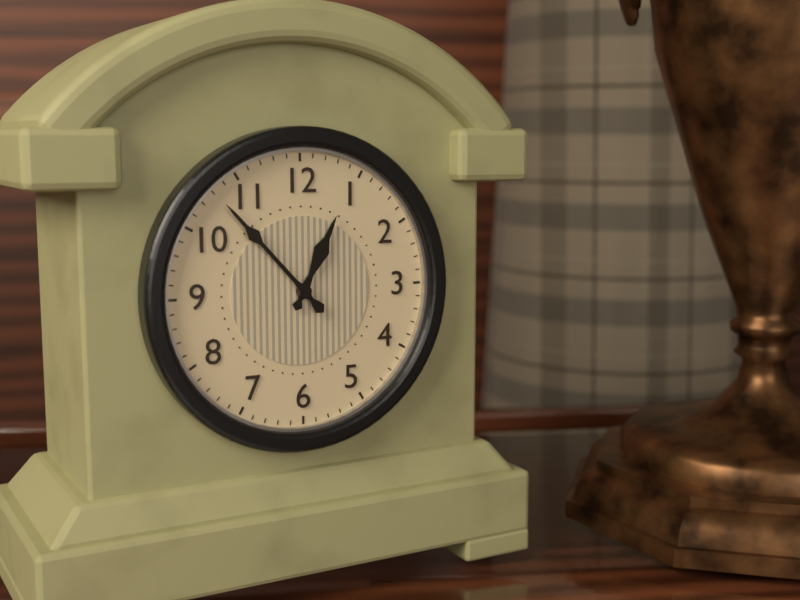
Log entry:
12 h 53 min
